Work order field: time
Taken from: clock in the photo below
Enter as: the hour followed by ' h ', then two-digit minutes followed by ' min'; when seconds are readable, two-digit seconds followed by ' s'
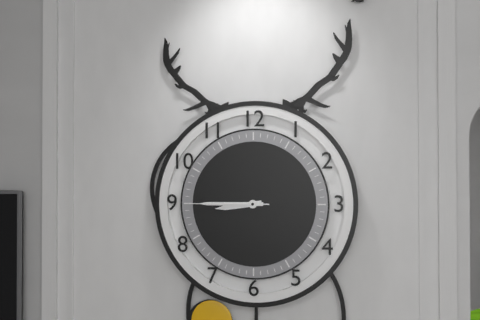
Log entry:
8 h 45 min 45 s
